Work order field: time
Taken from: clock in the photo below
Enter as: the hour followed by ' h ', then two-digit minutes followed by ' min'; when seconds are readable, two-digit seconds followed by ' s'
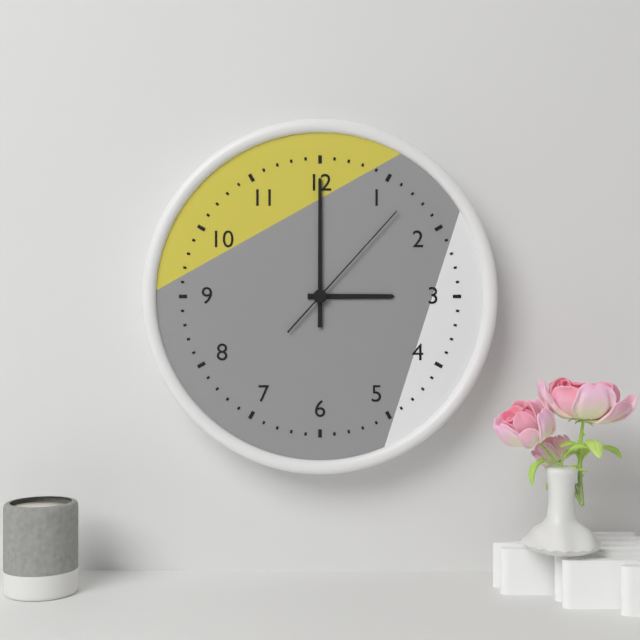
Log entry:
3 h 00 min 07 s
